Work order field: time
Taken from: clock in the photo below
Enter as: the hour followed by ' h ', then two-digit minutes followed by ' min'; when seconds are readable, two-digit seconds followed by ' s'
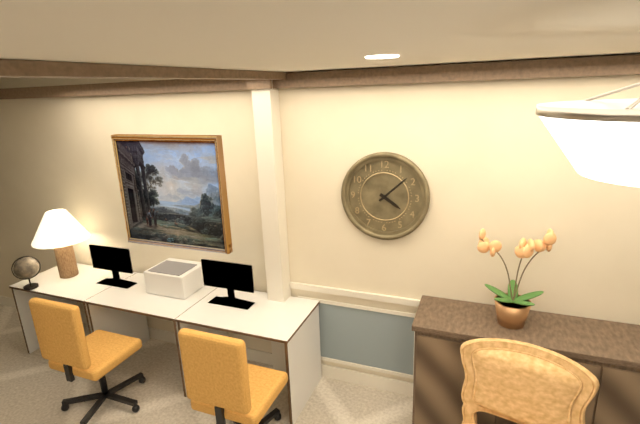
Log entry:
4 h 08 min
